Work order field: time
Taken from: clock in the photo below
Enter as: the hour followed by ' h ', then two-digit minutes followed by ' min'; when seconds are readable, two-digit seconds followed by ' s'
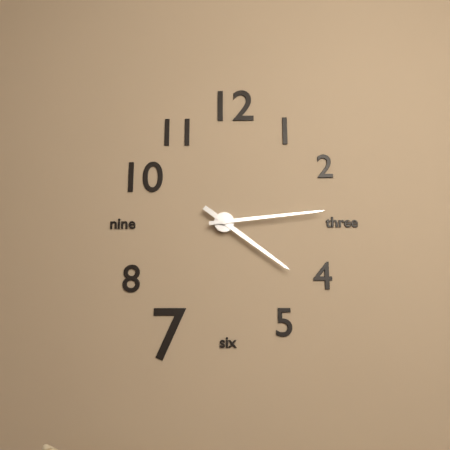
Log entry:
4 h 14 min
